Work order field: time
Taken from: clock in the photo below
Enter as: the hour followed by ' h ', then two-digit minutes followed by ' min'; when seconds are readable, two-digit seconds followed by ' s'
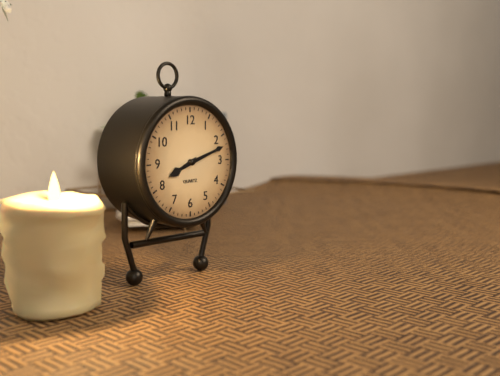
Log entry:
8 h 12 min
